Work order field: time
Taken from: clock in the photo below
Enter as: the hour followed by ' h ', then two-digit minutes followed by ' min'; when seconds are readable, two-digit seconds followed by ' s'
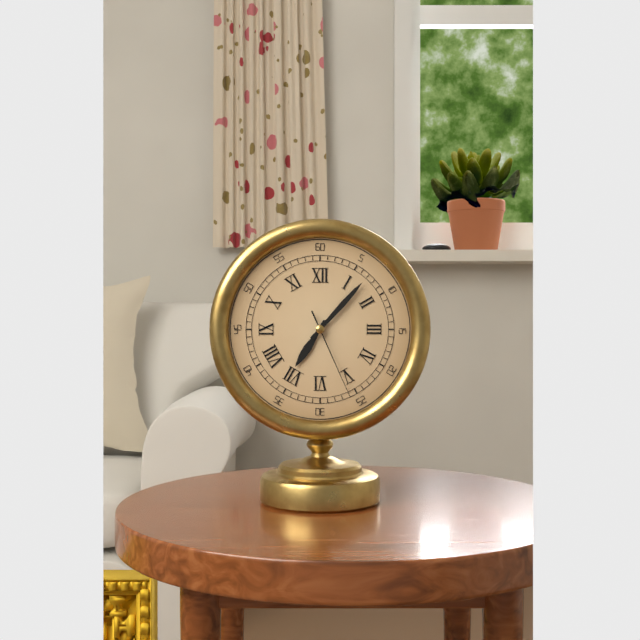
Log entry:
7 h 07 min 26 s
